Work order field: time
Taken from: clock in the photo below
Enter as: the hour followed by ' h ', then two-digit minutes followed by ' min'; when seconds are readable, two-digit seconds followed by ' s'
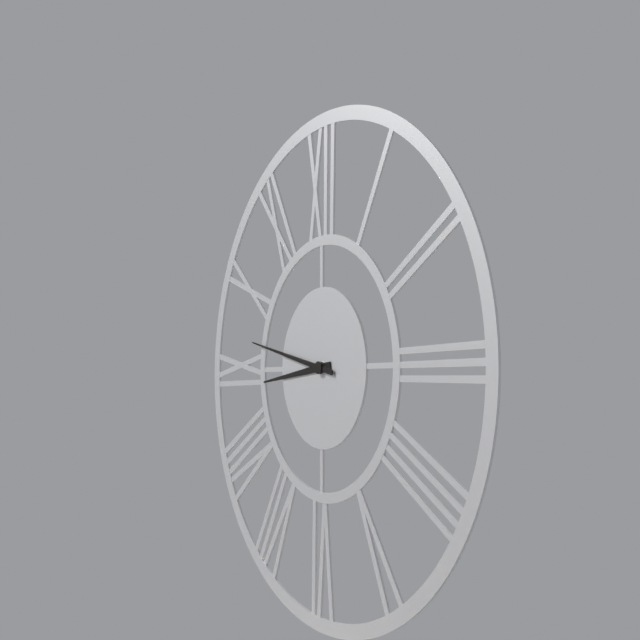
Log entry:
8 h 47 min
